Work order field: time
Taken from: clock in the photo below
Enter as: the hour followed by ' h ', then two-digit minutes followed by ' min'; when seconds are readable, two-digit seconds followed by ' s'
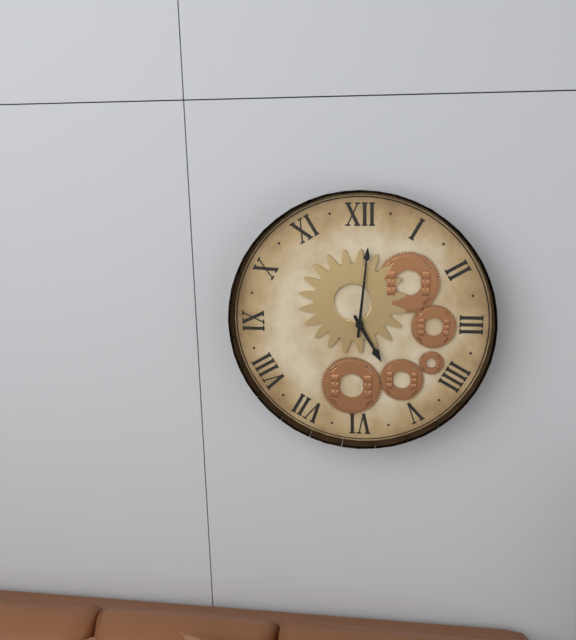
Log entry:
5 h 01 min
